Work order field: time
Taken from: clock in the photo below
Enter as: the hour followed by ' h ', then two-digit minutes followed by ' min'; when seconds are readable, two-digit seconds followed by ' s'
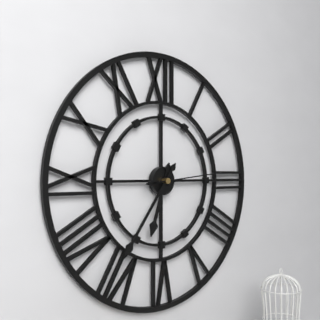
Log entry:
6 h 36 min 14 s
